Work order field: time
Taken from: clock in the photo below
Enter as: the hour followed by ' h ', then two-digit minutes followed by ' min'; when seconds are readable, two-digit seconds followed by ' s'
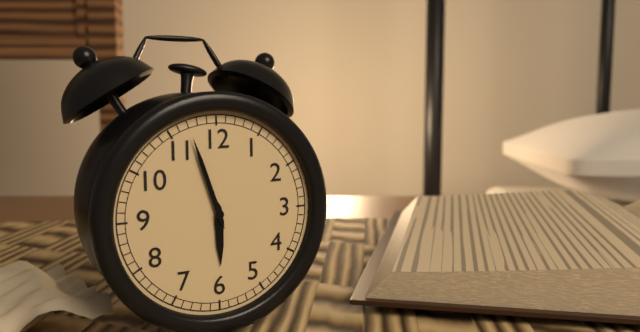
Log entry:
5 h 57 min
